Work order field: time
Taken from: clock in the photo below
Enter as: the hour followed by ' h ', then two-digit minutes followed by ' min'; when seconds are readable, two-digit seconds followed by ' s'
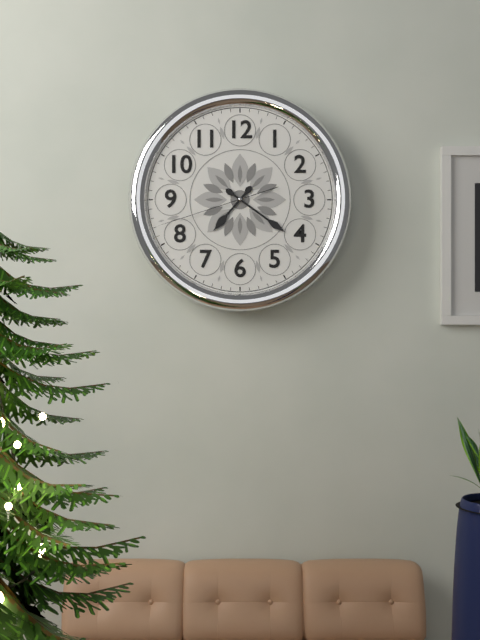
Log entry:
7 h 21 min 42 s
